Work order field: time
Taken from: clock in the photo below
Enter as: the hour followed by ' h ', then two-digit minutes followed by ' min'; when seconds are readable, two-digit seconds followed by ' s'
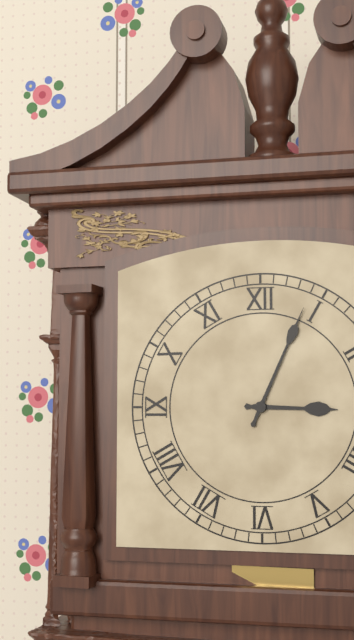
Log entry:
3 h 04 min
